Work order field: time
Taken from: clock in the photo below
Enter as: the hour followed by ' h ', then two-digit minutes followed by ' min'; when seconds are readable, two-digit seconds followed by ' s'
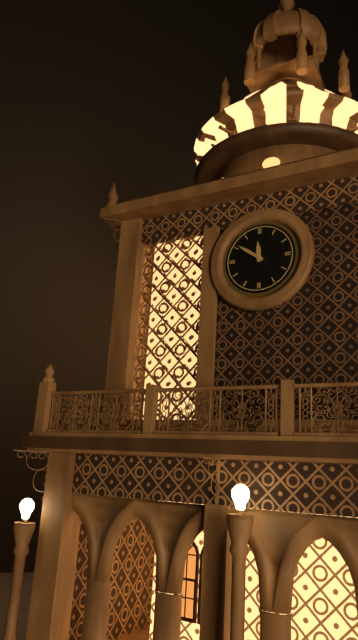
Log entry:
11 h 51 min
